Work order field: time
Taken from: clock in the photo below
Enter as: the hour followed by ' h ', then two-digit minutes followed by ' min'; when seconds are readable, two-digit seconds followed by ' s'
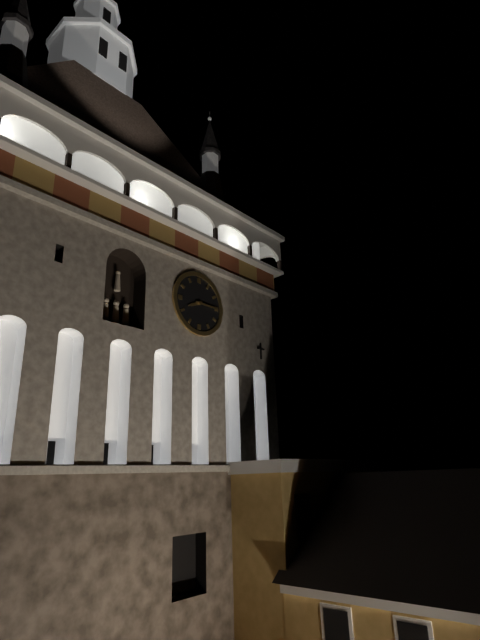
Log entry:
8 h 15 min
